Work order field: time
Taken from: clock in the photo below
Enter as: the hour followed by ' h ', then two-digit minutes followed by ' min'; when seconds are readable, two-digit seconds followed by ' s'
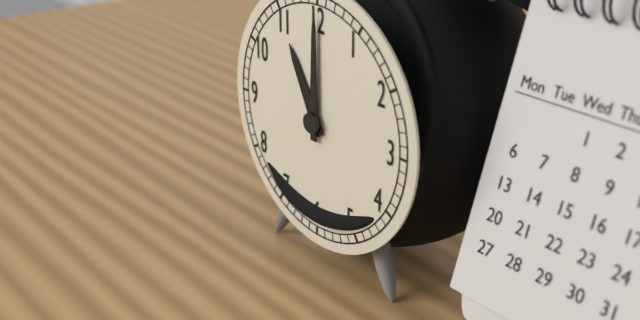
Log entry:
11 h 00 min
